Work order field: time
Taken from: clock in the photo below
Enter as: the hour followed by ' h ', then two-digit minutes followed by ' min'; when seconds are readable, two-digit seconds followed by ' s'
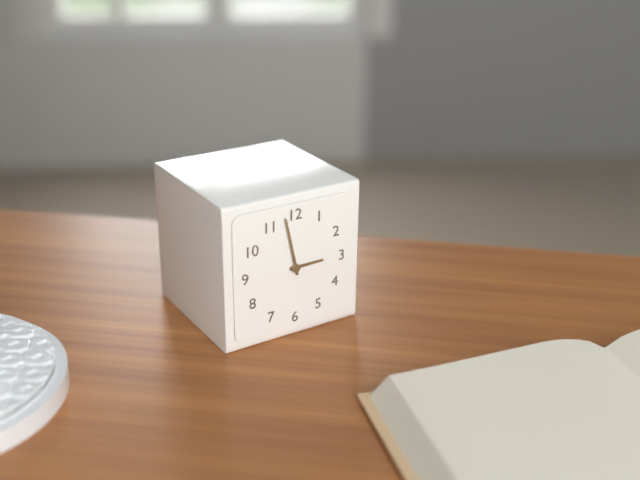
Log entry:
2 h 58 min
